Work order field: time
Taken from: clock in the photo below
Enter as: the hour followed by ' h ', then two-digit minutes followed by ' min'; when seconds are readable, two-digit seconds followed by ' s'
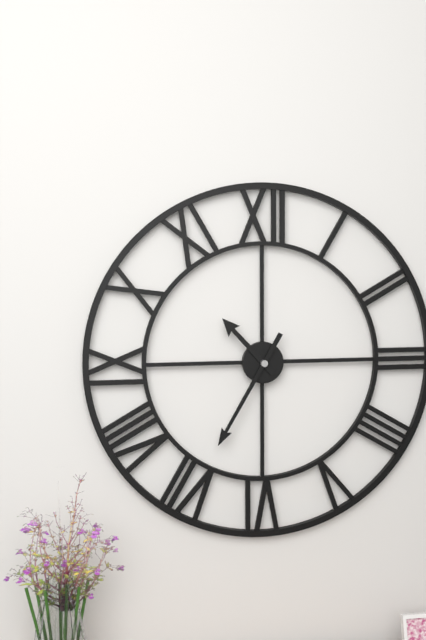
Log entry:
10 h 35 min
